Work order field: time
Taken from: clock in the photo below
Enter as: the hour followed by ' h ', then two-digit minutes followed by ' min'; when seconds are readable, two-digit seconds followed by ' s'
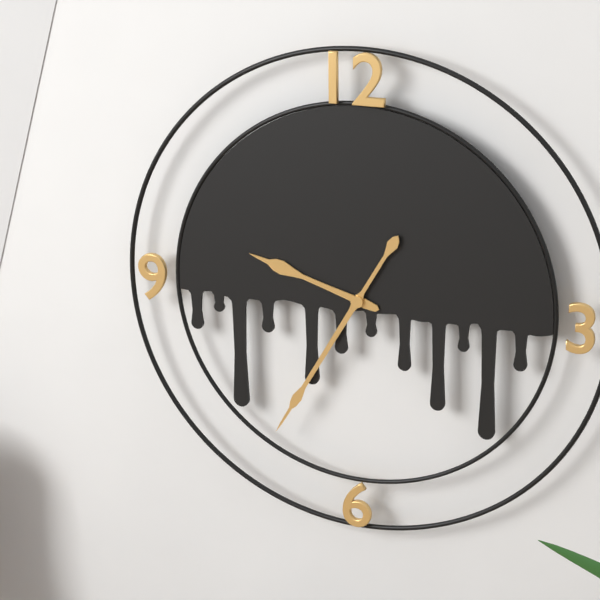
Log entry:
9 h 35 min
